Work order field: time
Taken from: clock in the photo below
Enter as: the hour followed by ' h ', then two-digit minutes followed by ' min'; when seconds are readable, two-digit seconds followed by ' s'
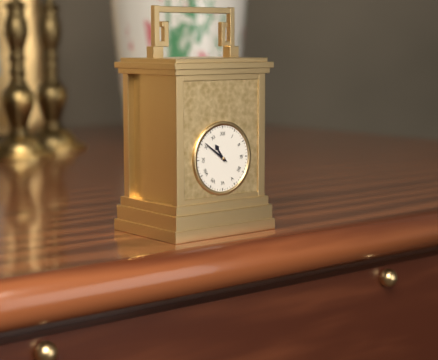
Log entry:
10 h 51 min
